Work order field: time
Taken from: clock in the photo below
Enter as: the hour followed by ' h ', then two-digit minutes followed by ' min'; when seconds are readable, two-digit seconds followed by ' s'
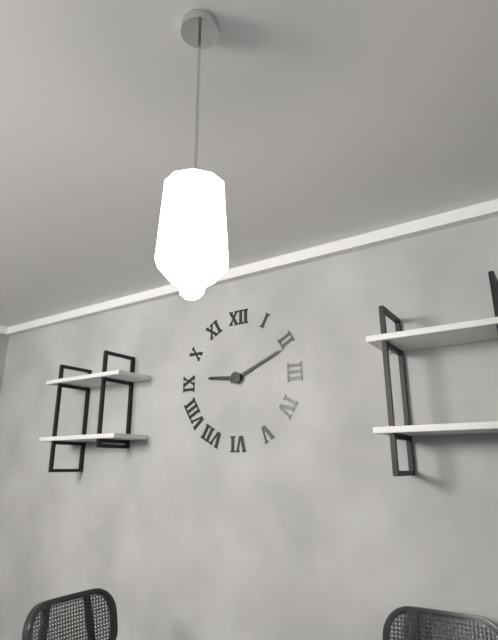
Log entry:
9 h 11 min
